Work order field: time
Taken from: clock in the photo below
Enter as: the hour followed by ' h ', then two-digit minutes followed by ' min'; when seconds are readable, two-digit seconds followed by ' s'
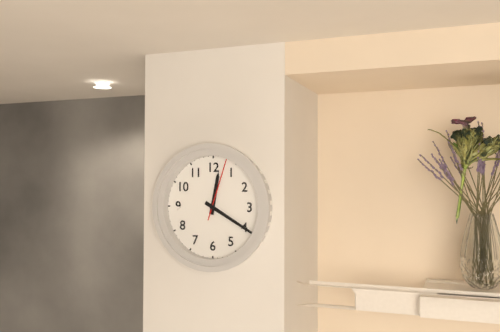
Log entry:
12 h 20 min 03 s
